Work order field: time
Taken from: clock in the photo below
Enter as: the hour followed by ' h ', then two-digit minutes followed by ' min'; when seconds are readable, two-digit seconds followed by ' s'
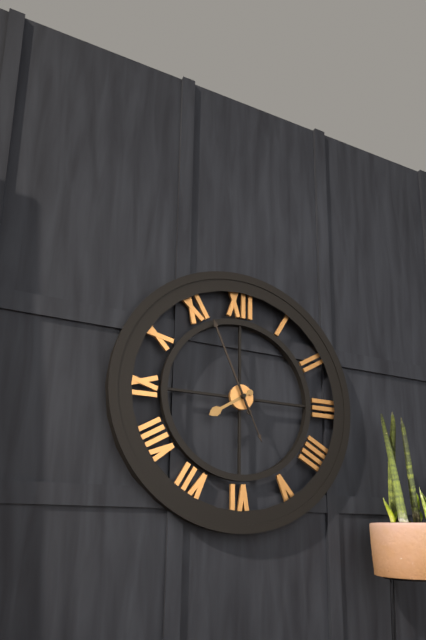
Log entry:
7 h 56 min 26 s
